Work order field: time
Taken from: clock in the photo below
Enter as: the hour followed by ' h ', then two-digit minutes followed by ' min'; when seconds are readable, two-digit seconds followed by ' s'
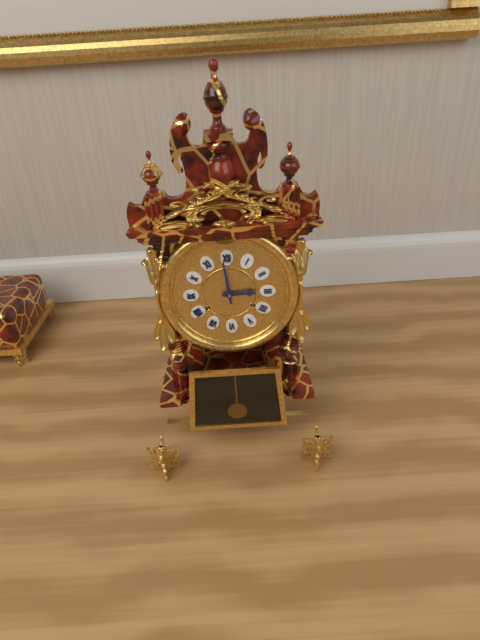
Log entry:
2 h 59 min
